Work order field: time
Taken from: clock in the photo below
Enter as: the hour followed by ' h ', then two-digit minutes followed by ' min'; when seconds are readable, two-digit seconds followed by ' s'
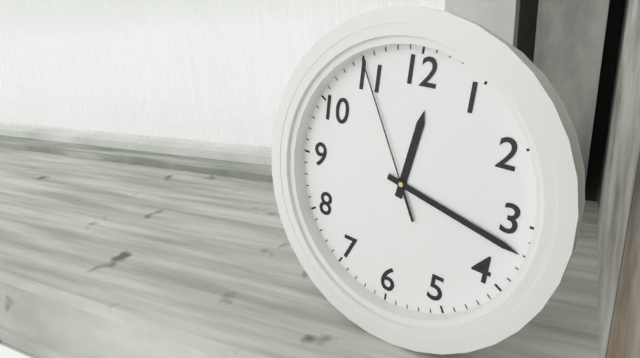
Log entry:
12 h 17 min 55 s
